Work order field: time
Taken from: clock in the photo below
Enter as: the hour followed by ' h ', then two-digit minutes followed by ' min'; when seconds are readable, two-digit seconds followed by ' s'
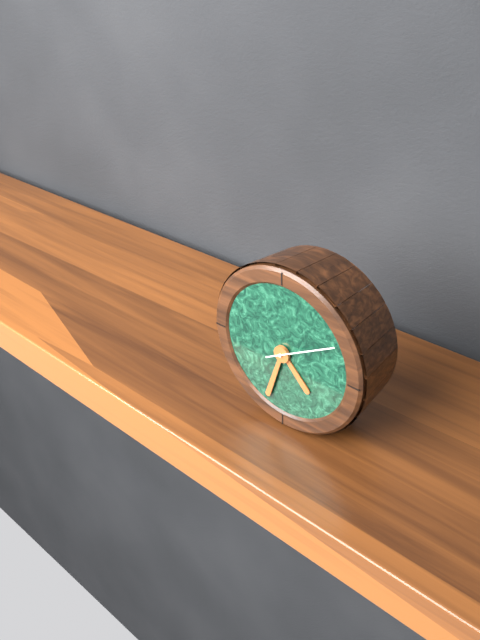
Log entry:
4 h 33 min 10 s
